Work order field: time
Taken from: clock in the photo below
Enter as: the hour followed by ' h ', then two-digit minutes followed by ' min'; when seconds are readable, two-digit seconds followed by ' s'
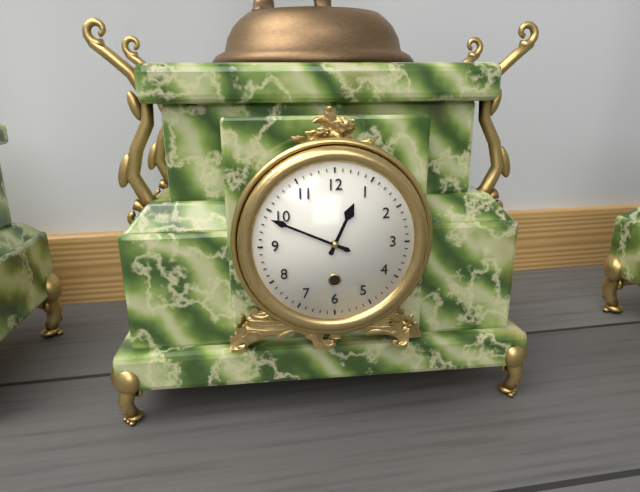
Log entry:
12 h 49 min
